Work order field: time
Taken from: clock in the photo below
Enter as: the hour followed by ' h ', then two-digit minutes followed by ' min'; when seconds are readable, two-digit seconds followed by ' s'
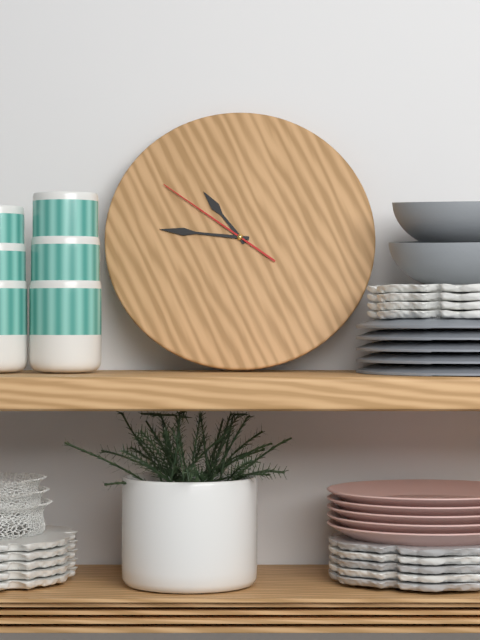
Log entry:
10 h 46 min 51 s
